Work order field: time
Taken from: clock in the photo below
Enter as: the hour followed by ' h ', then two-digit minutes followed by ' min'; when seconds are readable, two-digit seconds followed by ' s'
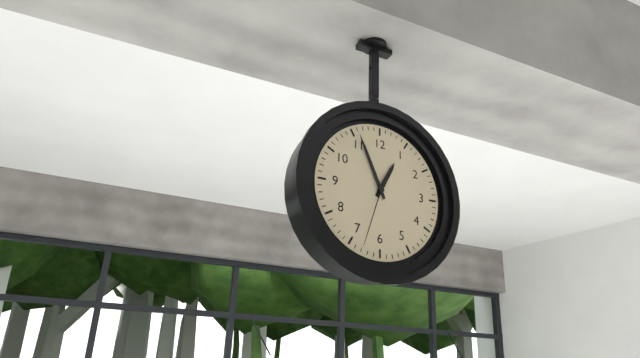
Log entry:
12 h 56 min 33 s
